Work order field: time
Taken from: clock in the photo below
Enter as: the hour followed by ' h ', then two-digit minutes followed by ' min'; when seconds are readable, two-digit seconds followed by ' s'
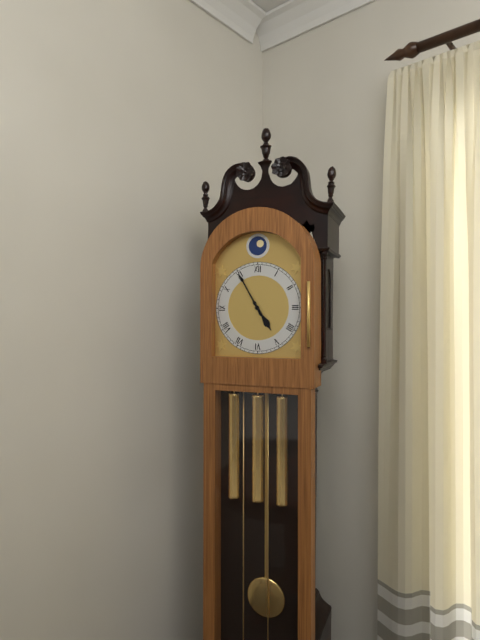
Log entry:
4 h 55 min
